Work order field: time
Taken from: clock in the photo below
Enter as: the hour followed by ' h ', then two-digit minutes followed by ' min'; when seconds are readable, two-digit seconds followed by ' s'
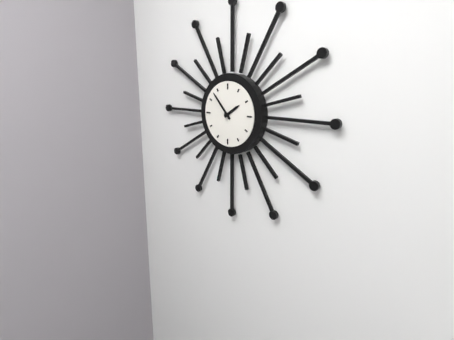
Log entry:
1 h 53 min
